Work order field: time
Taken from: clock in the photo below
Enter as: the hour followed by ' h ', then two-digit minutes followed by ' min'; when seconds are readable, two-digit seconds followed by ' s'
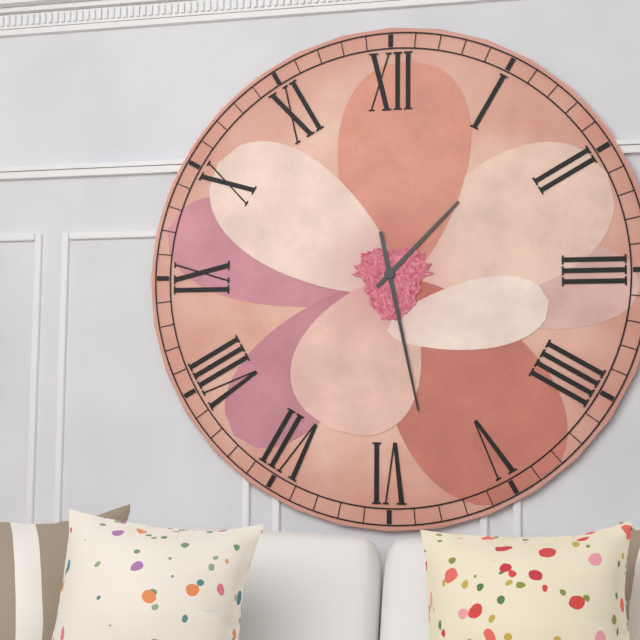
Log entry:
1 h 28 min
